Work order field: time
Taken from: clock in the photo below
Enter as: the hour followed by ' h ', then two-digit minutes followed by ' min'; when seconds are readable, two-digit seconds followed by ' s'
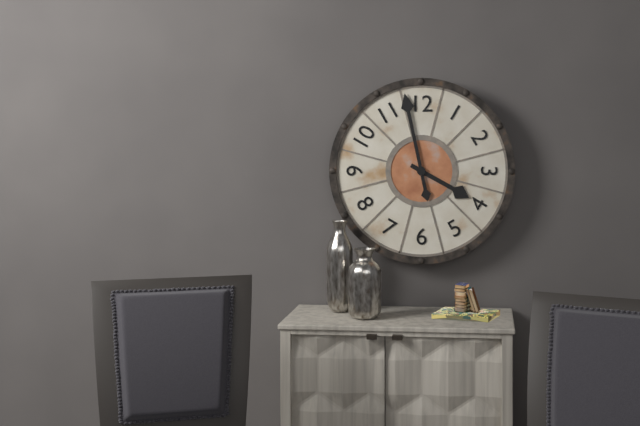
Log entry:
3 h 58 min
